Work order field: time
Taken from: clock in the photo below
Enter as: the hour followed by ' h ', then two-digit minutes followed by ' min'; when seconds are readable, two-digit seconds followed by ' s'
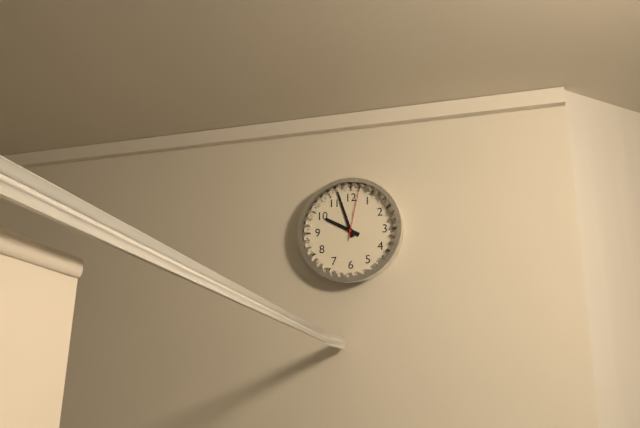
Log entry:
9 h 57 min 02 s
